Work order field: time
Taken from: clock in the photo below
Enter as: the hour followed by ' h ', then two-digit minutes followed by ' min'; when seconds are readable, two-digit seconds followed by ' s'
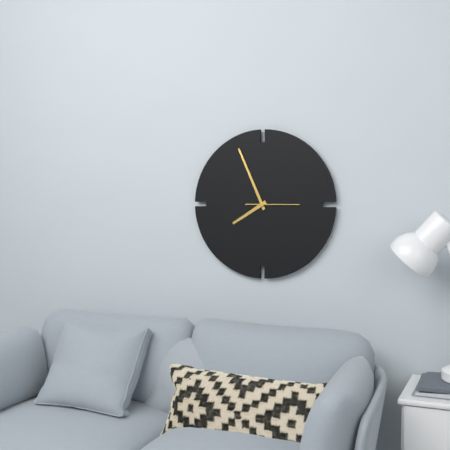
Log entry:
7 h 56 min
